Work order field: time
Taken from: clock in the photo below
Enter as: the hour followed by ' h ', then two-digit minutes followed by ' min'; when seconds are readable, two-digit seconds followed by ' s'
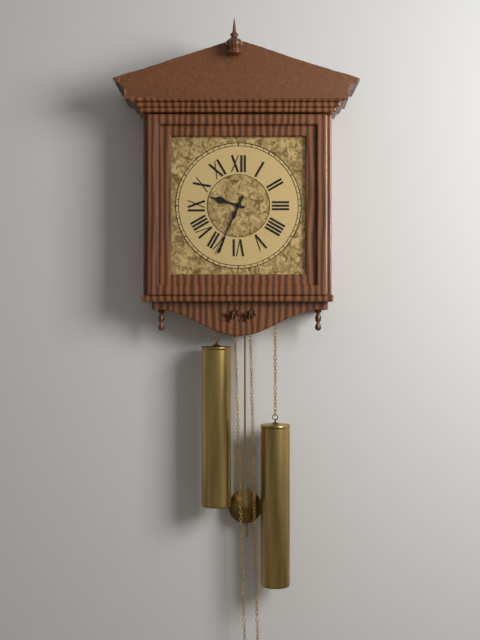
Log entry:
9 h 34 min
